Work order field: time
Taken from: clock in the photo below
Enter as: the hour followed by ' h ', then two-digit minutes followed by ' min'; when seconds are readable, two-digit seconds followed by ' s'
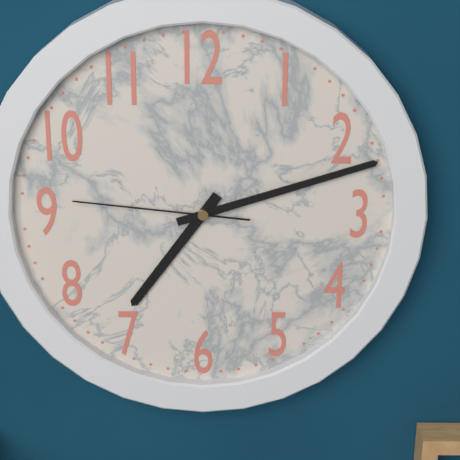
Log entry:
7 h 12 min 46 s
